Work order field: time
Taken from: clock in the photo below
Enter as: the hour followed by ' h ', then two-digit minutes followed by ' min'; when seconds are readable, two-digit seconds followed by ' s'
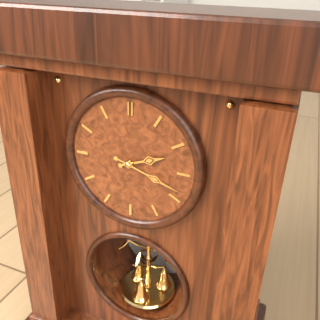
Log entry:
2 h 18 min
